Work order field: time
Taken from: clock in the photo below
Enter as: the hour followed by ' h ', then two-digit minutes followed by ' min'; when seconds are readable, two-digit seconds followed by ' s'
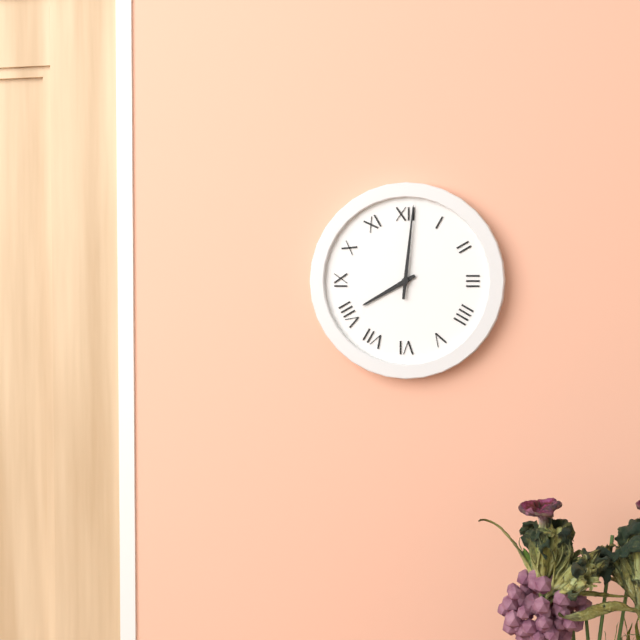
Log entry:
8 h 01 min
